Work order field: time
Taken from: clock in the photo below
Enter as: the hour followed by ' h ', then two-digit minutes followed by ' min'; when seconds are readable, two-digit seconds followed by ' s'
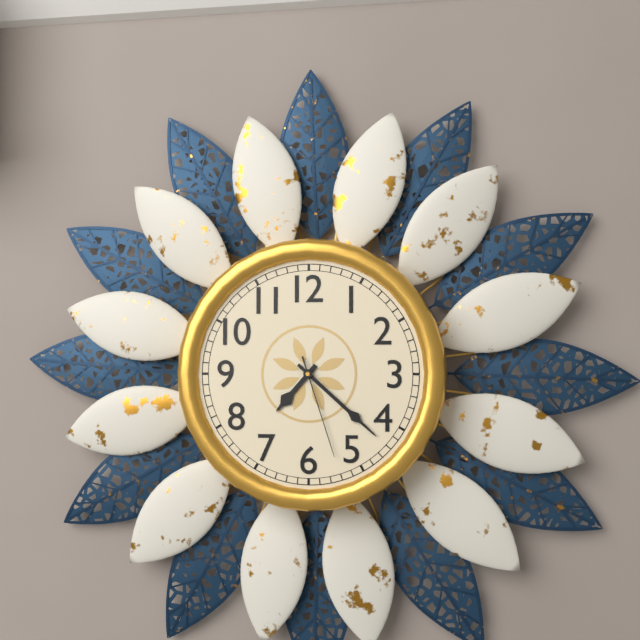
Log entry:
7 h 22 min 27 s
